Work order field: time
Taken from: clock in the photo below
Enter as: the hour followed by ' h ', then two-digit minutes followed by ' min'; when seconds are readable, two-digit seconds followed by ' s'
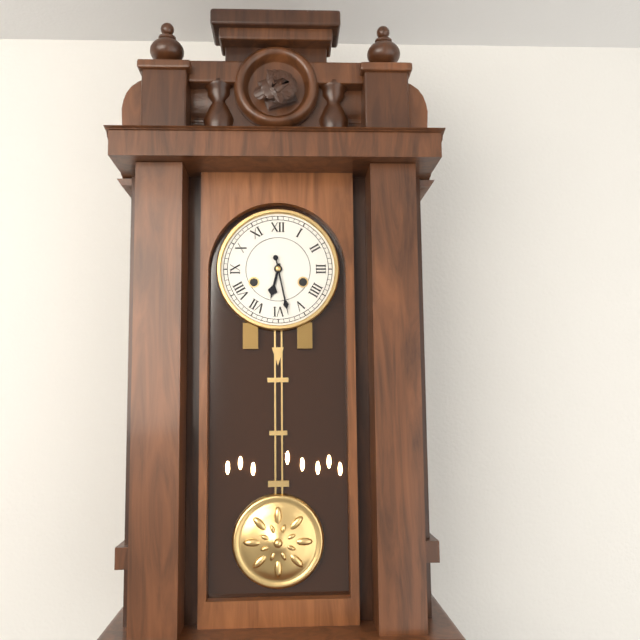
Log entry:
6 h 28 min
